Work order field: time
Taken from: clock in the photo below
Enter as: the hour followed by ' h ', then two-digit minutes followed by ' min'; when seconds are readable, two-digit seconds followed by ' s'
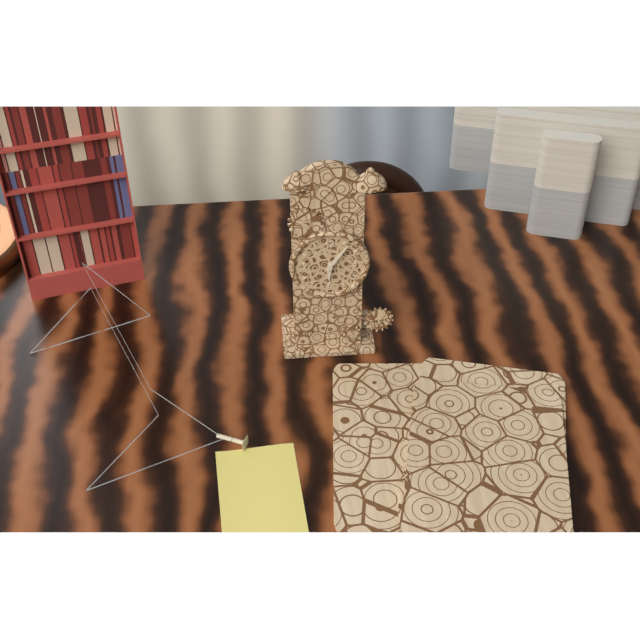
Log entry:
6 h 06 min
